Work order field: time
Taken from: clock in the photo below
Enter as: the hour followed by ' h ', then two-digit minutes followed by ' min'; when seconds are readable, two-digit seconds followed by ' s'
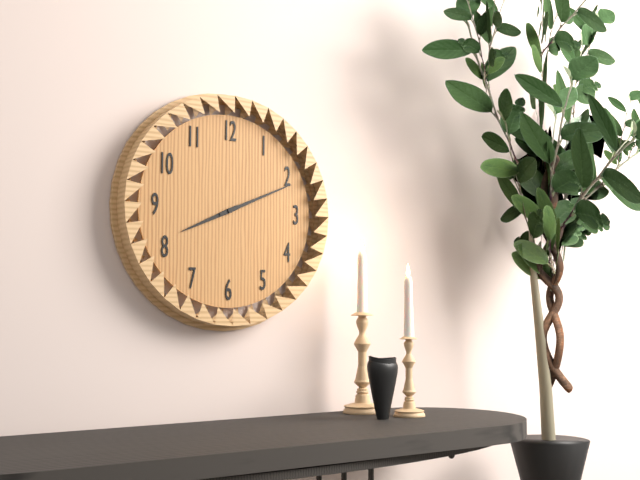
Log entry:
8 h 11 min
